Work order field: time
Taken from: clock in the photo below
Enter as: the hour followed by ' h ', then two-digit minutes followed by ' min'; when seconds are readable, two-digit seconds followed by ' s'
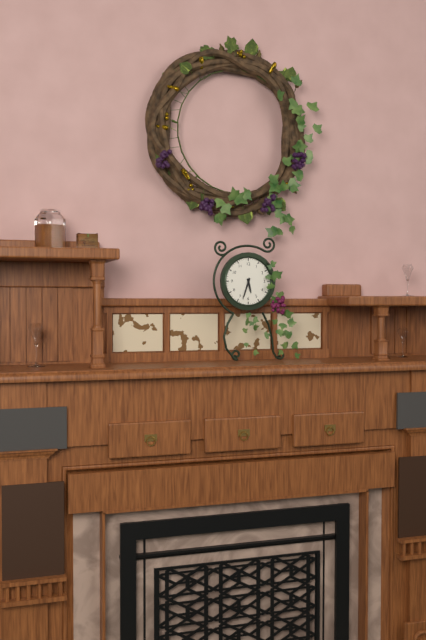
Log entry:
5 h 33 min
